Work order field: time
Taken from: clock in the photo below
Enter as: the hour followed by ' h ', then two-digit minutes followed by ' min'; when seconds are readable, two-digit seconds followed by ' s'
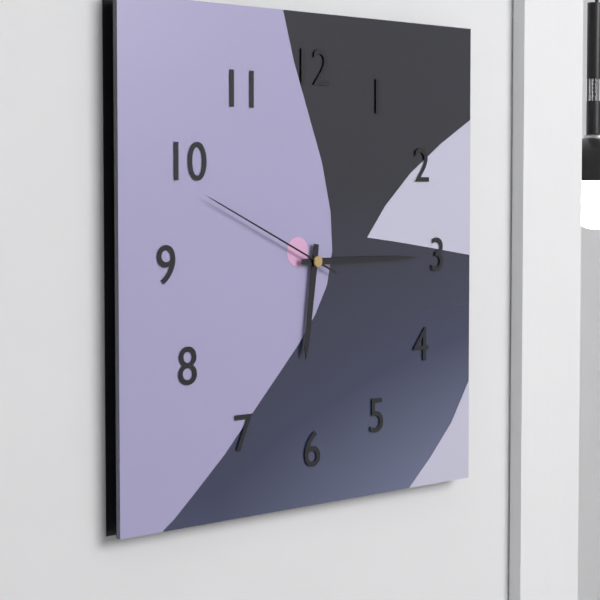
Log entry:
6 h 15 min 49 s
